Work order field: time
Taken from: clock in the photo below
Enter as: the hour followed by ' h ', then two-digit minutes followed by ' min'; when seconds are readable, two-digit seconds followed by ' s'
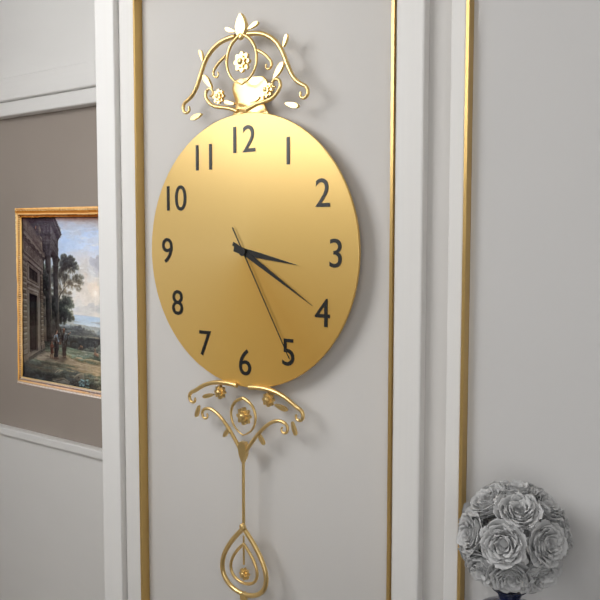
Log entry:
3 h 20 min 25 s
